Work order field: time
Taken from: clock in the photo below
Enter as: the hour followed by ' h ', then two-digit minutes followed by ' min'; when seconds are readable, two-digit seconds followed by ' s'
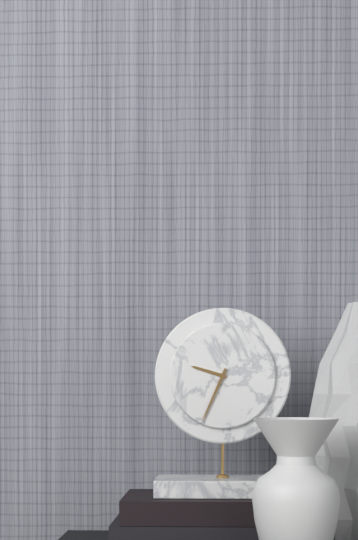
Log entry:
9 h 34 min
